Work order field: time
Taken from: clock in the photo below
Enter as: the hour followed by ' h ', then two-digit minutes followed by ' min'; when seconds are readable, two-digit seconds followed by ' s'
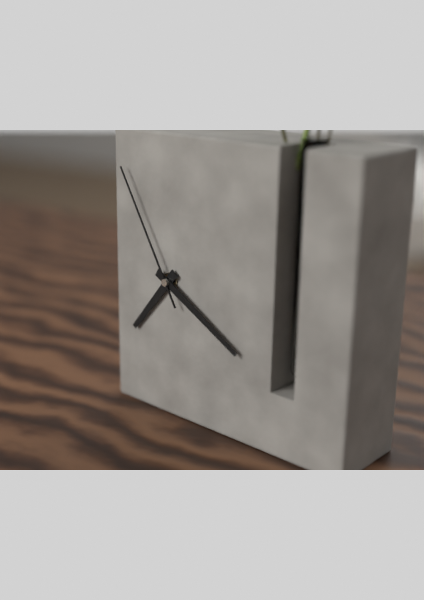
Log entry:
7 h 20 min 55 s
